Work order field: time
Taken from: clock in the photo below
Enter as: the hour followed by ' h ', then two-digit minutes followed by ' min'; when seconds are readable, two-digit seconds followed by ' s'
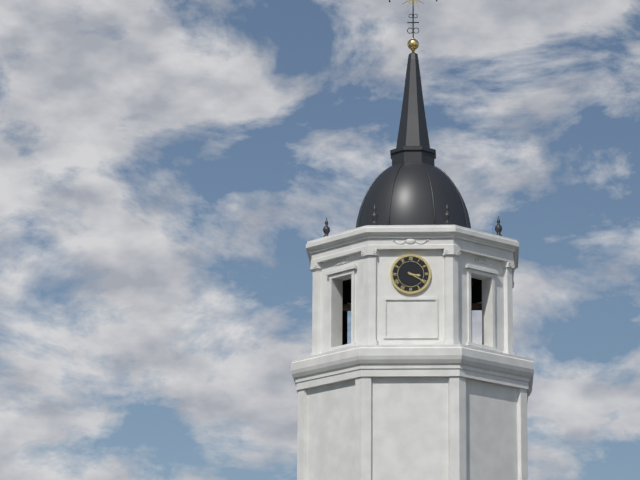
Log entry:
3 h 20 min
